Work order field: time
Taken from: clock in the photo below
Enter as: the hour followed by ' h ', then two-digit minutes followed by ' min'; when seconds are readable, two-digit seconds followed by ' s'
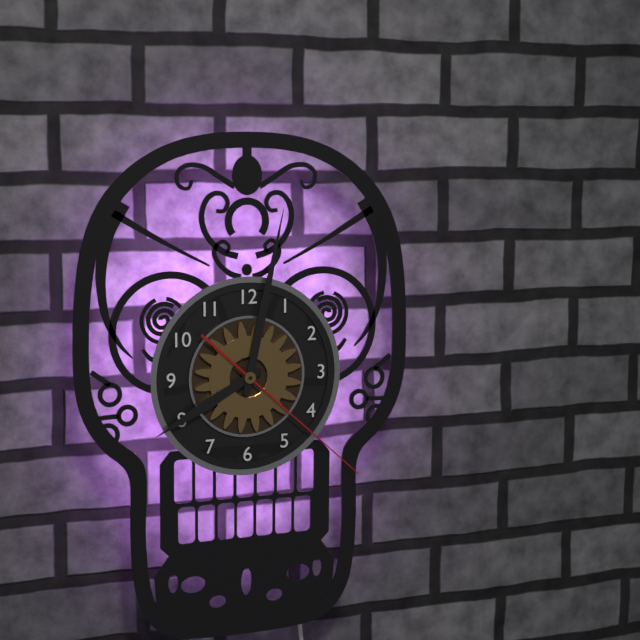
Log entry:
8 h 02 min 22 s
